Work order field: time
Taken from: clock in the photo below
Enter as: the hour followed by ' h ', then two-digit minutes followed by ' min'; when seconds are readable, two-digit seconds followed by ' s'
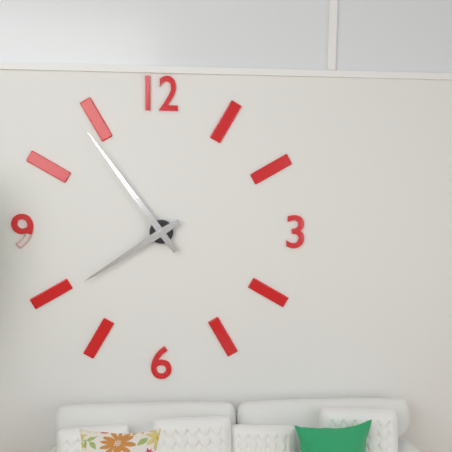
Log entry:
7 h 54 min
